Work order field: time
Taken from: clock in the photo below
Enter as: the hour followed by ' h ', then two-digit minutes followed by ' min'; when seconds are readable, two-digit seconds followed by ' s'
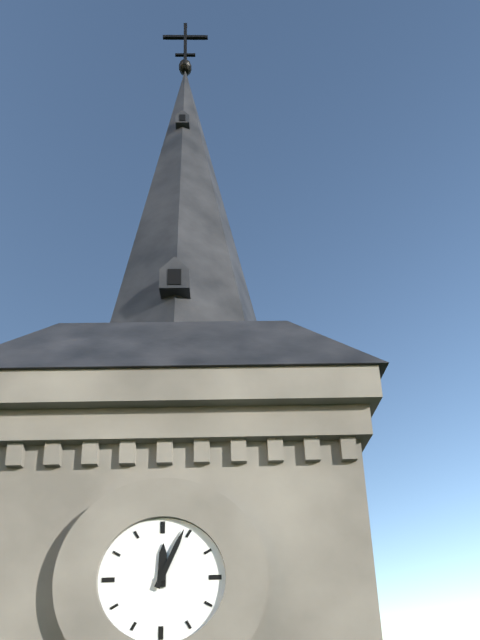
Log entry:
12 h 04 min
